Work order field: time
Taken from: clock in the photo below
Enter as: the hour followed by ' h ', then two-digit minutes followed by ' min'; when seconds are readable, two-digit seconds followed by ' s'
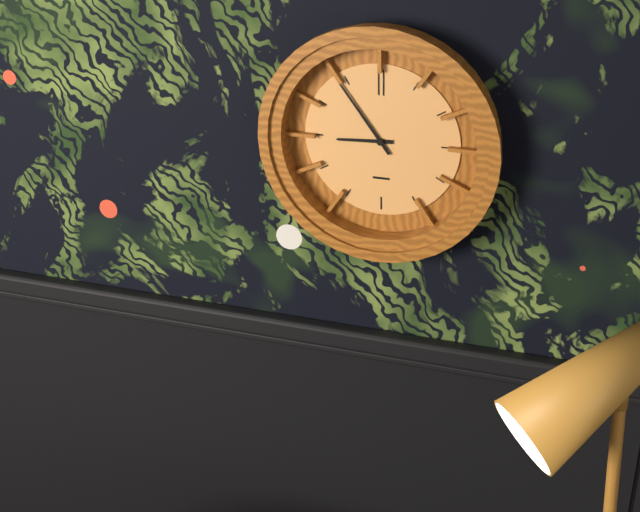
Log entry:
8 h 54 min
